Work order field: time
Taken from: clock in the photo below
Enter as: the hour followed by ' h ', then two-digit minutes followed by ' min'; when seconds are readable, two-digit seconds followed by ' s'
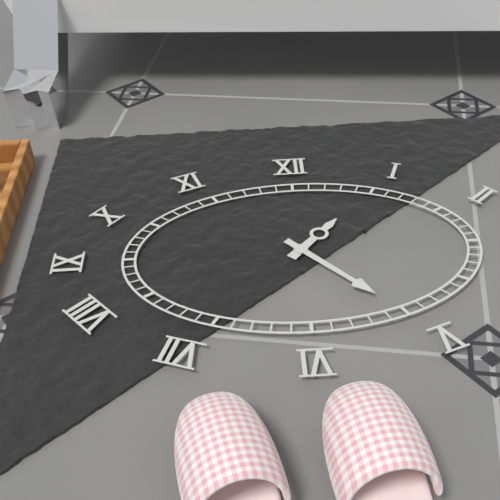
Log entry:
1 h 23 min
